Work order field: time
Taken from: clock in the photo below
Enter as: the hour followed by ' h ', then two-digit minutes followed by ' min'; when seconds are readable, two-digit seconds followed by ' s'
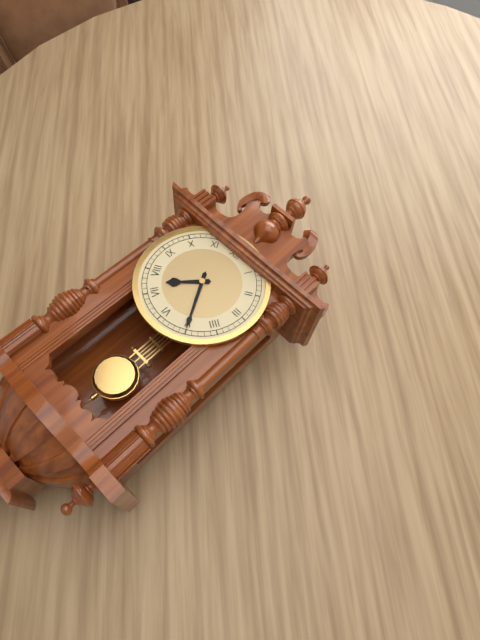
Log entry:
7 h 25 min
